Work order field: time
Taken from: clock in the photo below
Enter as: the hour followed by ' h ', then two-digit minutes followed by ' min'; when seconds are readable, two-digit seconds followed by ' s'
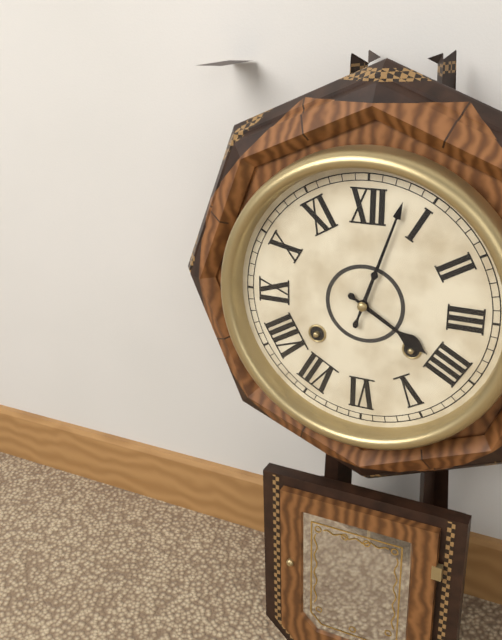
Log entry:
4 h 03 min
